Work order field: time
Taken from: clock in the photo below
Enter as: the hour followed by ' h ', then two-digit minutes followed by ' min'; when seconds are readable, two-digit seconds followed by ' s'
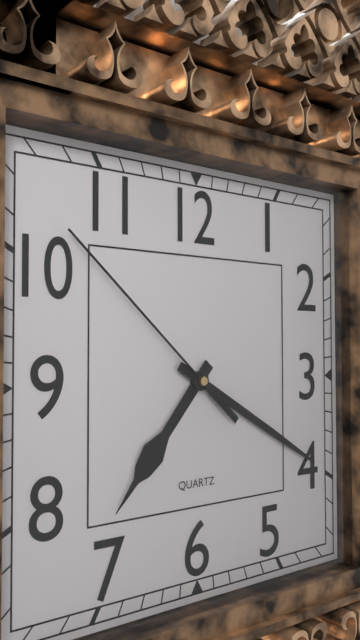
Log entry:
7 h 20 min 52 s
